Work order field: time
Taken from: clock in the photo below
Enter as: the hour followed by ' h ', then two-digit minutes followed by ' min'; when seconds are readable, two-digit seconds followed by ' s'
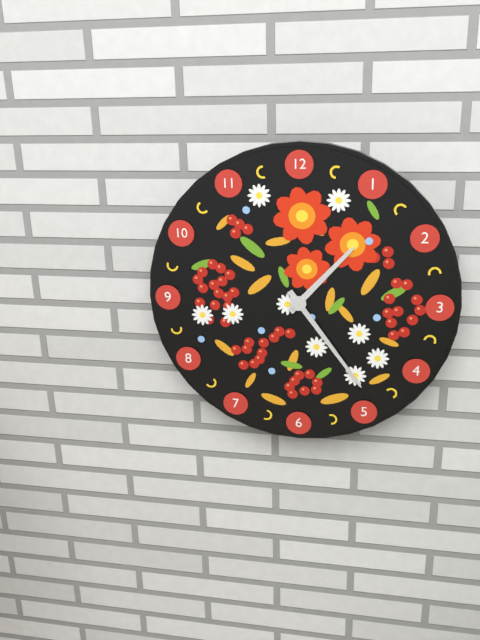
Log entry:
1 h 24 min
